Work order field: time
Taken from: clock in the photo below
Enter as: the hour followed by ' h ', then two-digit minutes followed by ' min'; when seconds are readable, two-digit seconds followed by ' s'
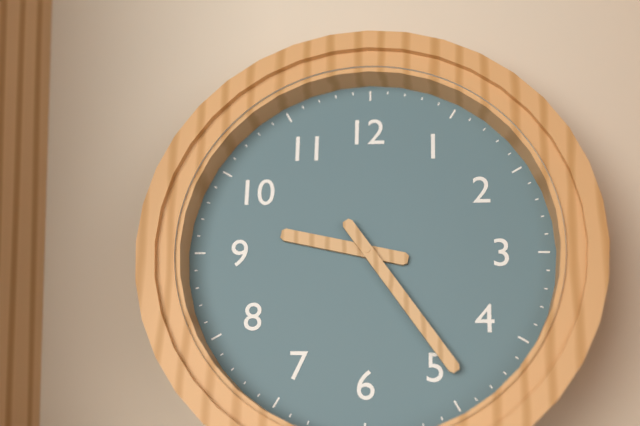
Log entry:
9 h 24 min
